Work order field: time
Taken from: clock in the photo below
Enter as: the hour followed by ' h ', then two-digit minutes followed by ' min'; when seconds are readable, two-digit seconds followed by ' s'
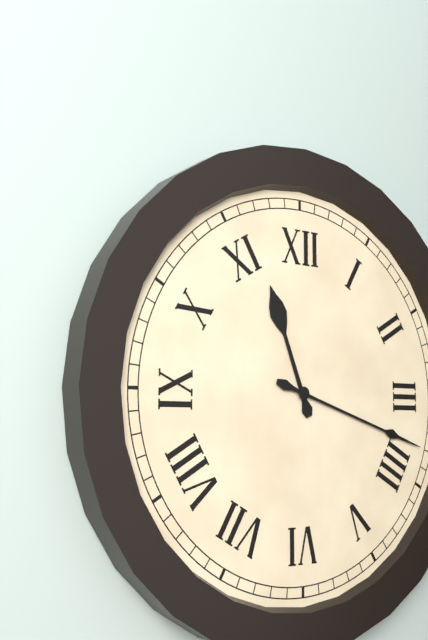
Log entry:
11 h 18 min
